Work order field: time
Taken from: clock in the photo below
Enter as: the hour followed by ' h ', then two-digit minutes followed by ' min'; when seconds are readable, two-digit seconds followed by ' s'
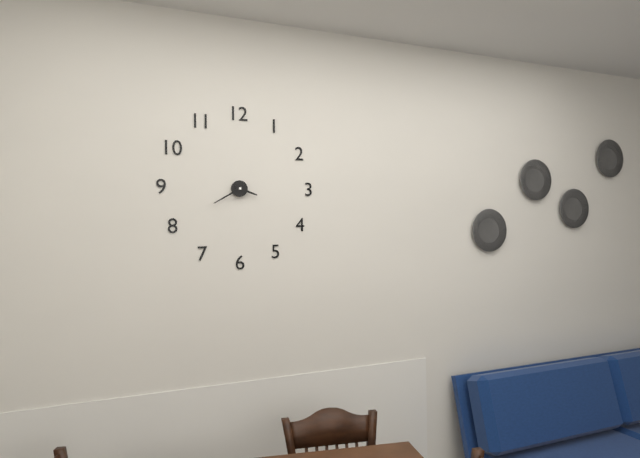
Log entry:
3 h 40 min
